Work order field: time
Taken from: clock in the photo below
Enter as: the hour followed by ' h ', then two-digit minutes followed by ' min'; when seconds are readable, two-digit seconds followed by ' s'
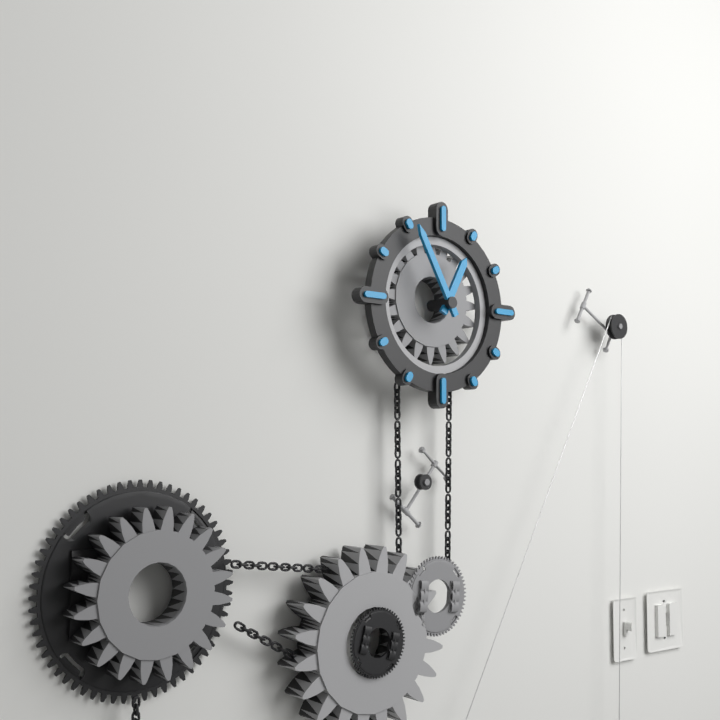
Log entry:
12 h 55 min
